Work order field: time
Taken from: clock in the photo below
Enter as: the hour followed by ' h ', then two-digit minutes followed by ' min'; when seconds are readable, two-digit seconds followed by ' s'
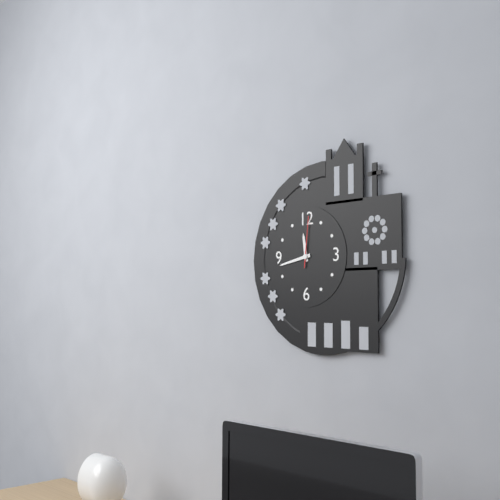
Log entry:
11 h 43 min 01 s
